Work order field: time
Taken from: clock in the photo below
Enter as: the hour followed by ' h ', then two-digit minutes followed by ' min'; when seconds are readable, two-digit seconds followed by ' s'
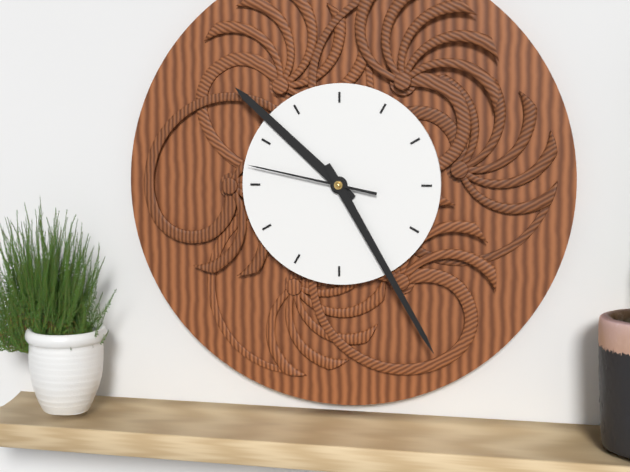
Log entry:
10 h 25 min 47 s
